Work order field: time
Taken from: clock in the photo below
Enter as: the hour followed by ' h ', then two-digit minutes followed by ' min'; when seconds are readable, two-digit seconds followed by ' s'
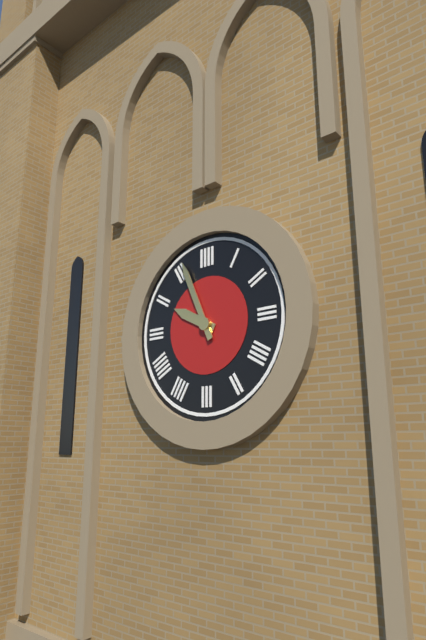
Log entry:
9 h 56 min
